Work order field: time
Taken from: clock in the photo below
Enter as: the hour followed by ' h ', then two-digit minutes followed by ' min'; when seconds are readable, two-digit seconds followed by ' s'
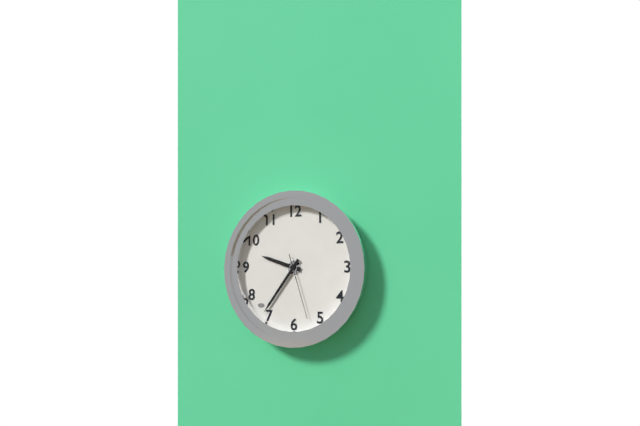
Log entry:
9 h 36 min 27 s
